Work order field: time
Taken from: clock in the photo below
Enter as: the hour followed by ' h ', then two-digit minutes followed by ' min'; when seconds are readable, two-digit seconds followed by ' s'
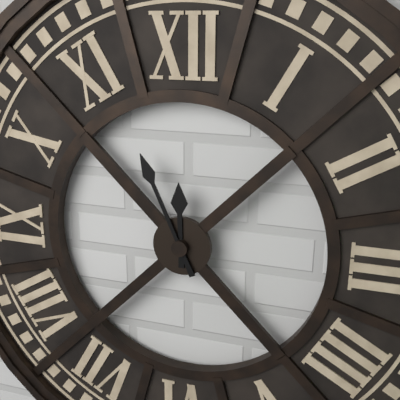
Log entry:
11 h 56 min
